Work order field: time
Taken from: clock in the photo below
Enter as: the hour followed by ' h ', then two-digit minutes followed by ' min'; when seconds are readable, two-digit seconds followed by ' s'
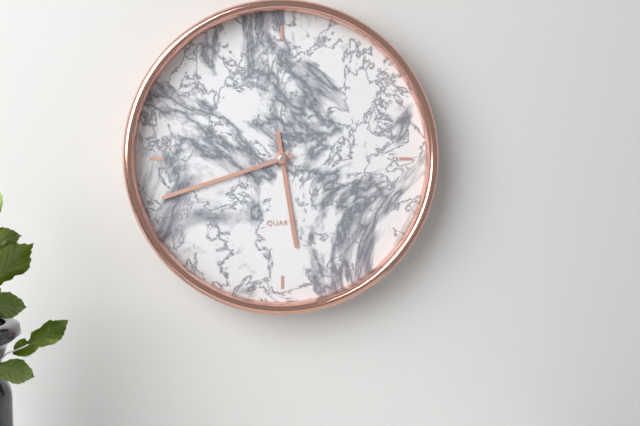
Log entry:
5 h 42 min
